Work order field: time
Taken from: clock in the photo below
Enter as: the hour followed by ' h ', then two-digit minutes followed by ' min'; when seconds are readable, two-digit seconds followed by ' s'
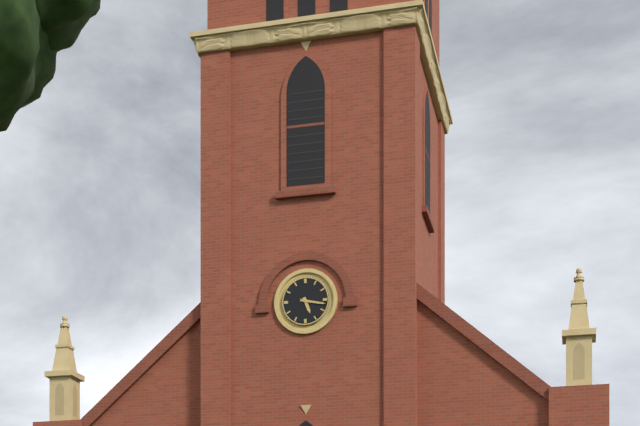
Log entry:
5 h 17 min
